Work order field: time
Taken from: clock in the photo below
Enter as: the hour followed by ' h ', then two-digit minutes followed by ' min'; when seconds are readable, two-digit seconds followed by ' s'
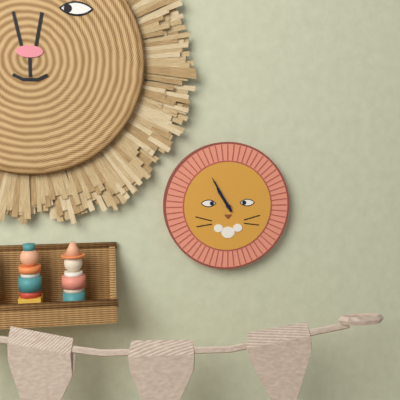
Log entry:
10 h 55 min
